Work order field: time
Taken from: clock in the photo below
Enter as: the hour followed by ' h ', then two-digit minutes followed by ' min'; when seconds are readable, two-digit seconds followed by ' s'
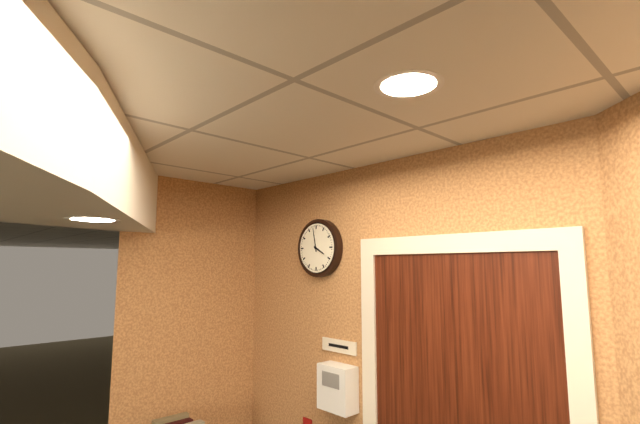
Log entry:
3 h 58 min
